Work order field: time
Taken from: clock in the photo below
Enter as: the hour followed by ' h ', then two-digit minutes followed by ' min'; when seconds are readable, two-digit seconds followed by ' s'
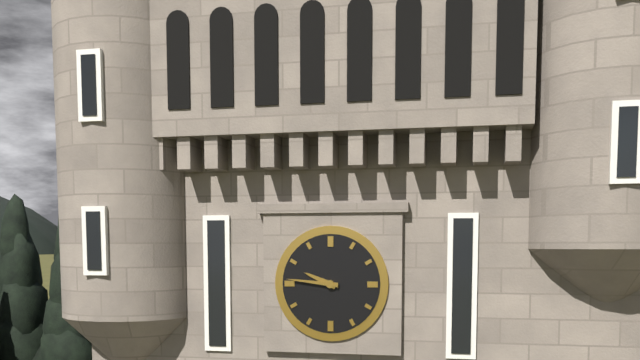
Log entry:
9 h 46 min
